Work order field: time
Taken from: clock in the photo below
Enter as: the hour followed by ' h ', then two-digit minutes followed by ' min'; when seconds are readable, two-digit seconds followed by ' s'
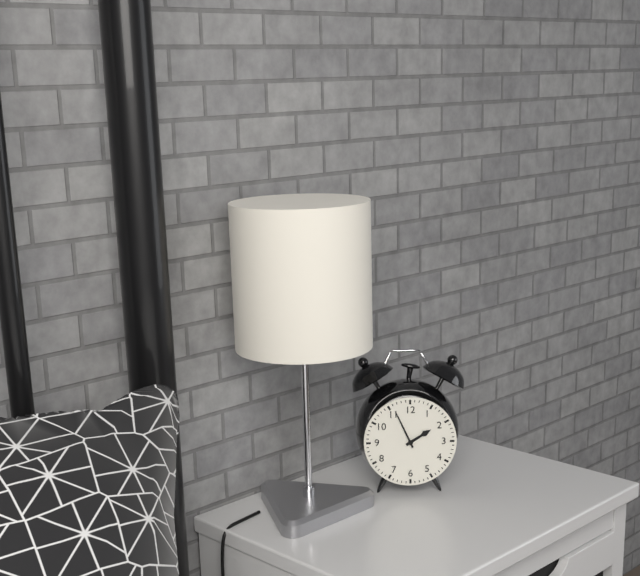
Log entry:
1 h 56 min
